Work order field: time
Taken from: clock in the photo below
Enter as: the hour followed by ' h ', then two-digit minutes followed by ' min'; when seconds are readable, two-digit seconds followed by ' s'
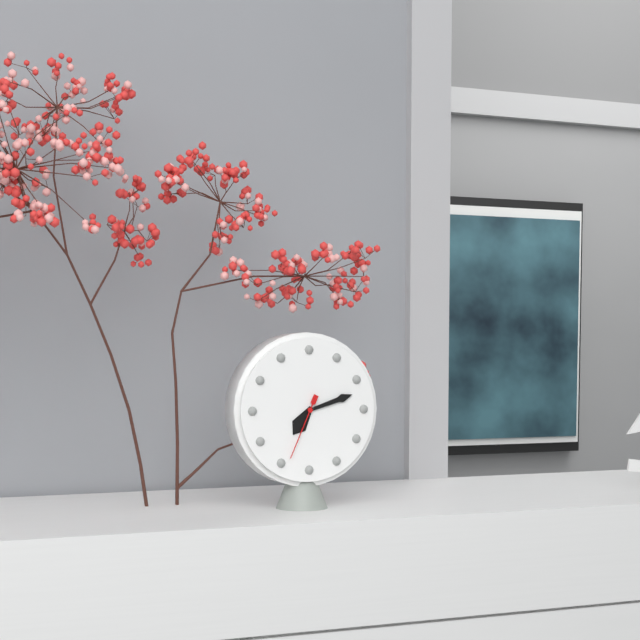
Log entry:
7 h 12 min 34 s
